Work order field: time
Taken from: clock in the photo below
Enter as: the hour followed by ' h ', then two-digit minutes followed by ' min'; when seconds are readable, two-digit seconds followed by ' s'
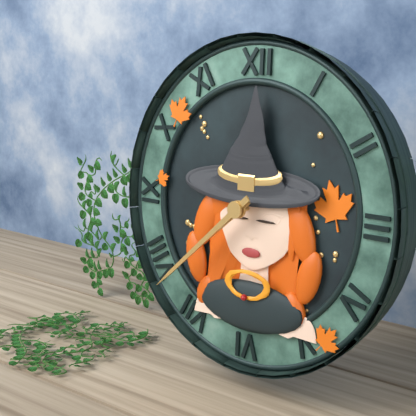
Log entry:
7 h 38 min
